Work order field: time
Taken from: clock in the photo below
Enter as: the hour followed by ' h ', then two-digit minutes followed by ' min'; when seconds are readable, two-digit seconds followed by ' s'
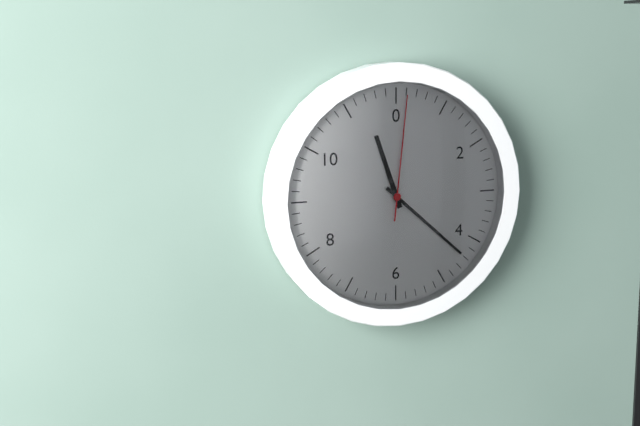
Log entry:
11 h 22 min 01 s
